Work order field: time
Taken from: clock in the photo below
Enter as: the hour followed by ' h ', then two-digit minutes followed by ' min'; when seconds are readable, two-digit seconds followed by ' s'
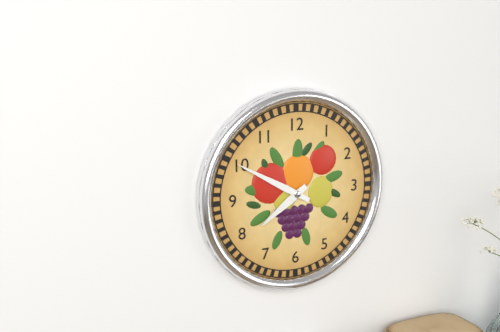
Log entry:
7 h 50 min
